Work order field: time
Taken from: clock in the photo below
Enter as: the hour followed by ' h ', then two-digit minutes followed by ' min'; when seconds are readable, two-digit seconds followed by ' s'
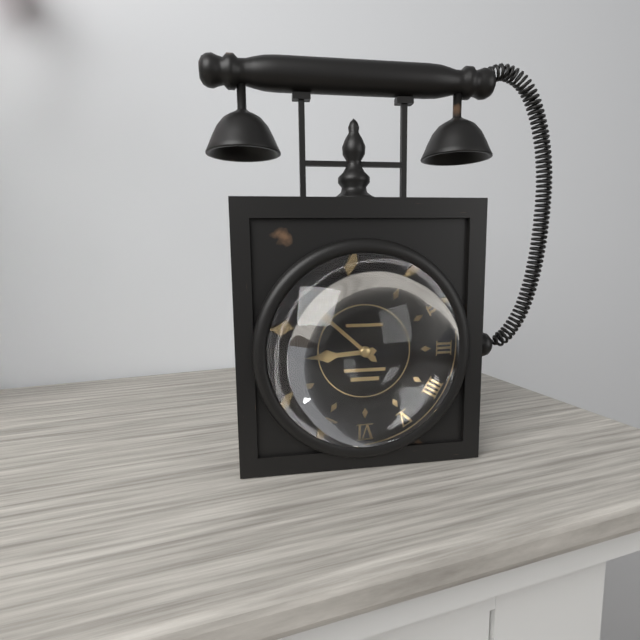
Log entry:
8 h 52 min
